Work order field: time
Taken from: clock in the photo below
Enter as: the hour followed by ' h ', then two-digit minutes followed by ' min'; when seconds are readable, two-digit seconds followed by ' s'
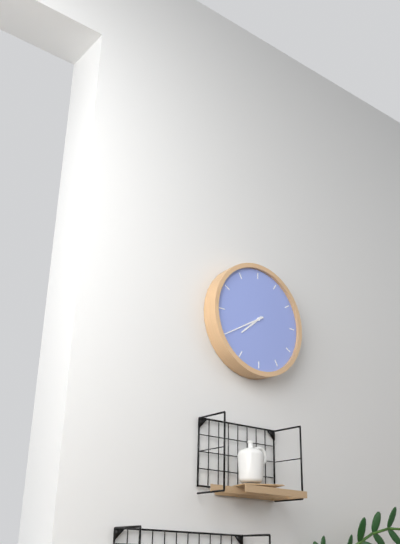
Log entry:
7 h 40 min
